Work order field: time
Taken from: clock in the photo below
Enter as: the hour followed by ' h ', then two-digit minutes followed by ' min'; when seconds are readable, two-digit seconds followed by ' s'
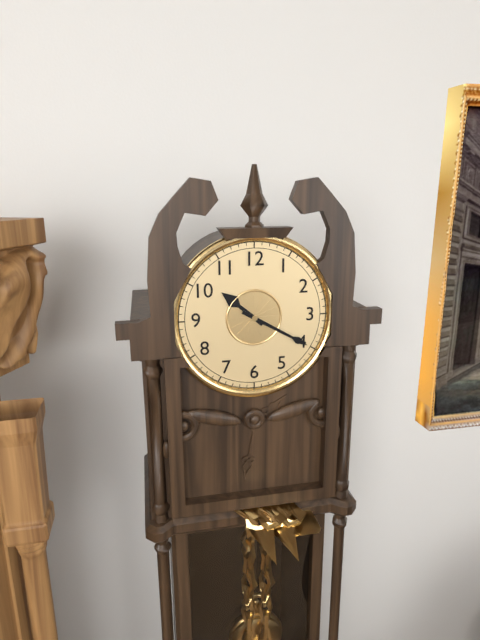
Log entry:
10 h 20 min
